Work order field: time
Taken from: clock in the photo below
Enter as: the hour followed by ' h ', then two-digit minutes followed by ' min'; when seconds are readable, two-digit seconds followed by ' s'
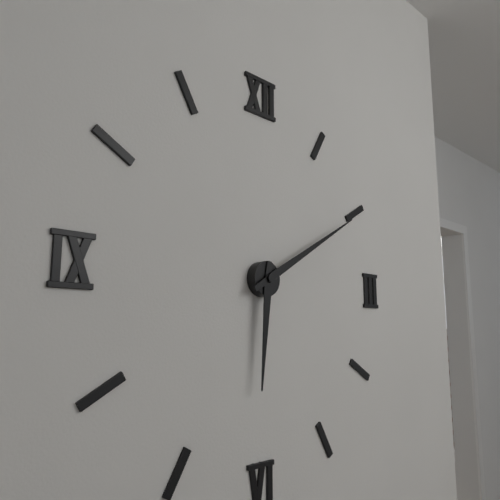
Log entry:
6 h 10 min
